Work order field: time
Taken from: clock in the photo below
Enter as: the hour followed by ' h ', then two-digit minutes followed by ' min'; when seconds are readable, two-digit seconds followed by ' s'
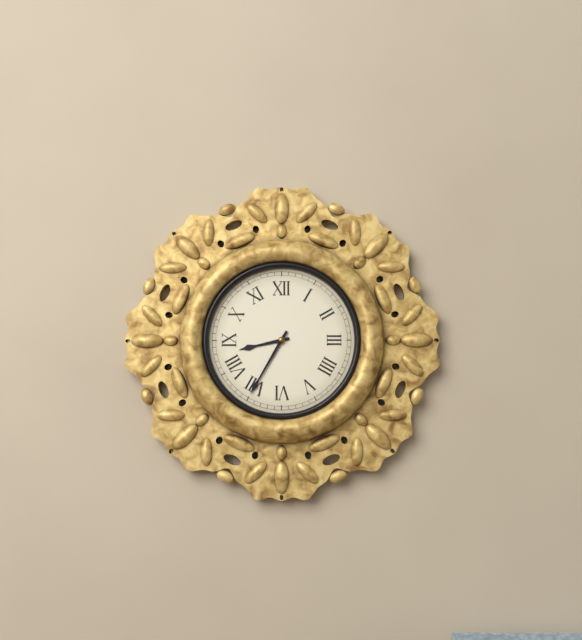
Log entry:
8 h 35 min
